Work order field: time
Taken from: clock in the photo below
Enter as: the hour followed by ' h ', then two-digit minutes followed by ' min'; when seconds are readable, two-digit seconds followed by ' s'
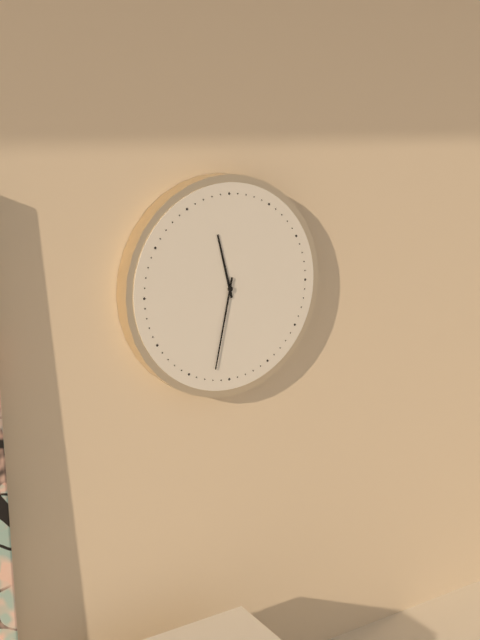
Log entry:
11 h 32 min
